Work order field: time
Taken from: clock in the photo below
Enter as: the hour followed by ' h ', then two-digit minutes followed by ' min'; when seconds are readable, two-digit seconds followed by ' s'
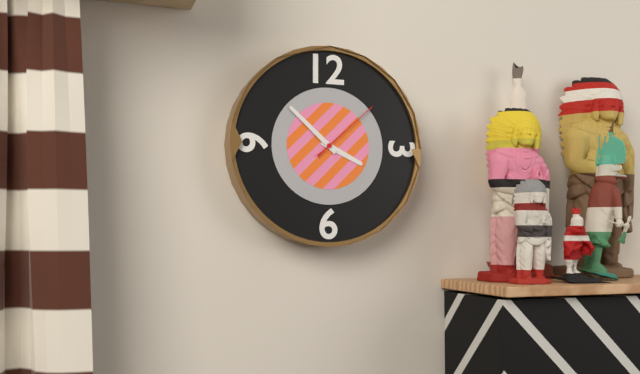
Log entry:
3 h 52 min 08 s
